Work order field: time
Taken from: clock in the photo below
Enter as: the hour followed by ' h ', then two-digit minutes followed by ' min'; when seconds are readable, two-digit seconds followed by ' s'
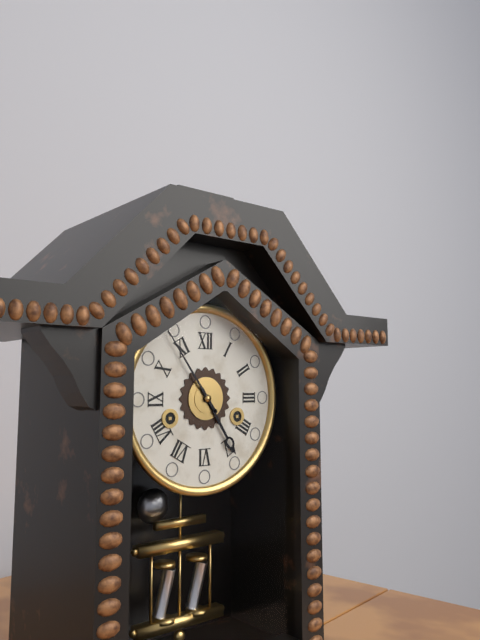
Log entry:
4 h 54 min
